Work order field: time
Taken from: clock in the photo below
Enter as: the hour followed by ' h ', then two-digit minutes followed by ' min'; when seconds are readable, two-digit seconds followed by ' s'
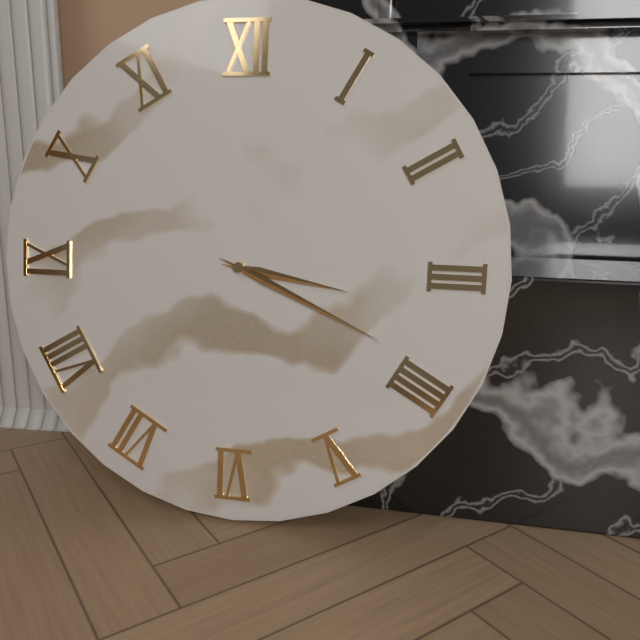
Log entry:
3 h 19 min
